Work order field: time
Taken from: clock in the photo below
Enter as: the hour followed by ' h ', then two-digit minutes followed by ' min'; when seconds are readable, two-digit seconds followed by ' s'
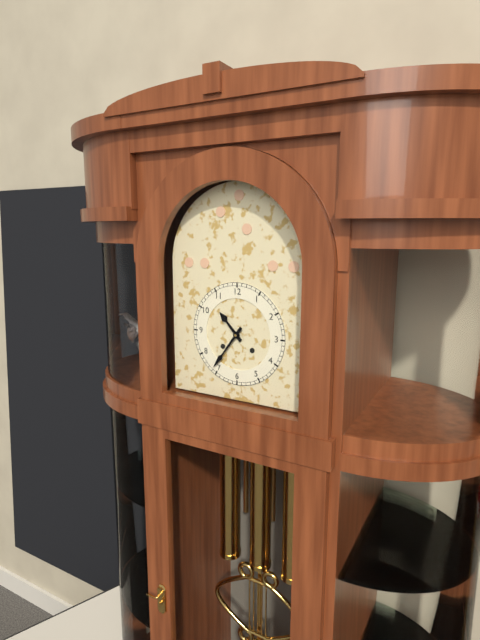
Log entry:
10 h 36 min
